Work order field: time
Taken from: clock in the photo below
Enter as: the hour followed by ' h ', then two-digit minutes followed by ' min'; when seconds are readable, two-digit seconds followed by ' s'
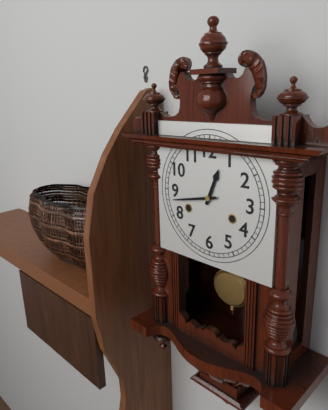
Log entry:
12 h 43 min
